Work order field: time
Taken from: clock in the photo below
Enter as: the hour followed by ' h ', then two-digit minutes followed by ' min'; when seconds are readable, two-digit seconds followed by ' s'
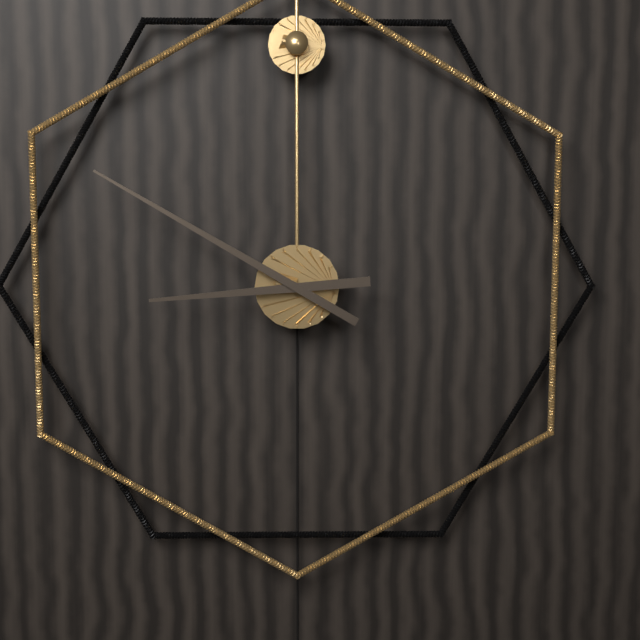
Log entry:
8 h 50 min
